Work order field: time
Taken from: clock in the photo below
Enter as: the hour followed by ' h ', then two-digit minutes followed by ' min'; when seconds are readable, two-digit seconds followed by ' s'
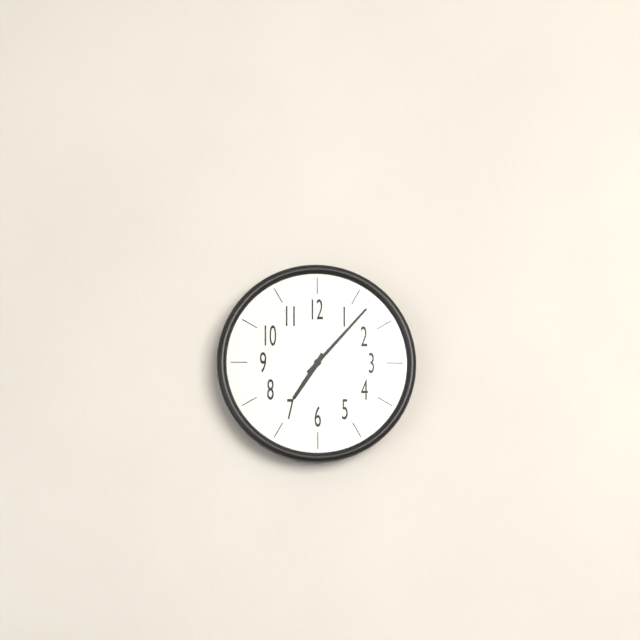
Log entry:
7 h 07 min
